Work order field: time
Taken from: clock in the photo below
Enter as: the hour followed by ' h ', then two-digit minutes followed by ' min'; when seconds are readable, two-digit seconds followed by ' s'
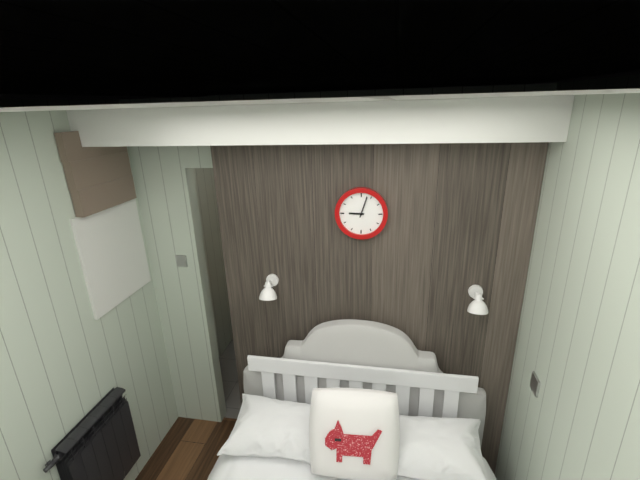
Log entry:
9 h 03 min
